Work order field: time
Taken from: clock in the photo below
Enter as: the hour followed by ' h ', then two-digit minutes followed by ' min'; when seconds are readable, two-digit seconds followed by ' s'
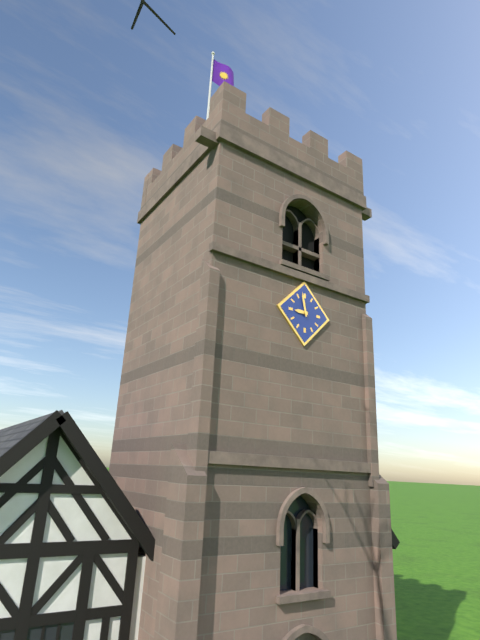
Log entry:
8 h 58 min
